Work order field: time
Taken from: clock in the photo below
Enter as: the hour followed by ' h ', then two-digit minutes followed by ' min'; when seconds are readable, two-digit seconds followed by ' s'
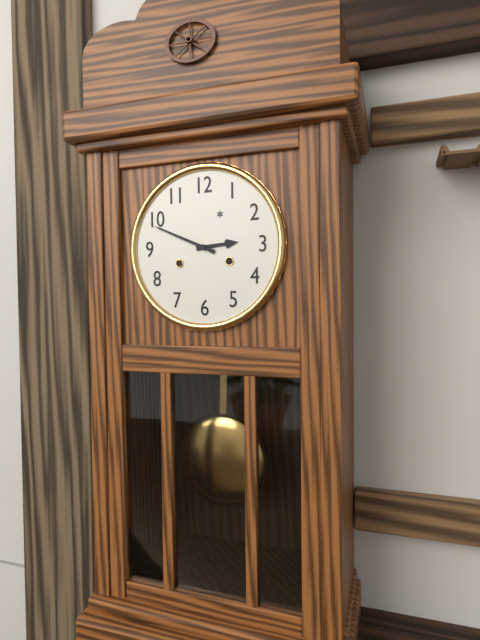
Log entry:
2 h 49 min
